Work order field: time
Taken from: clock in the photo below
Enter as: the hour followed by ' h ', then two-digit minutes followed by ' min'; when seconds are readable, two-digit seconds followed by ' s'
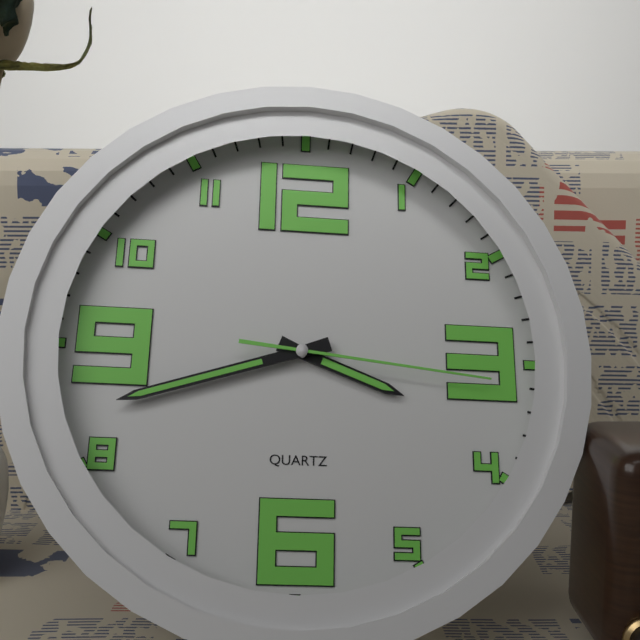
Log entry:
3 h 42 min 16 s
